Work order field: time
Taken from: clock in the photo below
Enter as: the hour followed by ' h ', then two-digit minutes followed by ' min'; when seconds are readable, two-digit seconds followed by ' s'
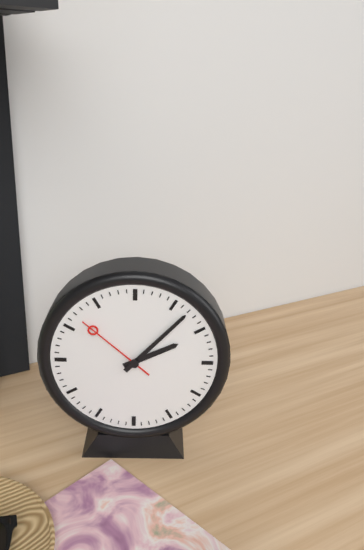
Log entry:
2 h 07 min 52 s
